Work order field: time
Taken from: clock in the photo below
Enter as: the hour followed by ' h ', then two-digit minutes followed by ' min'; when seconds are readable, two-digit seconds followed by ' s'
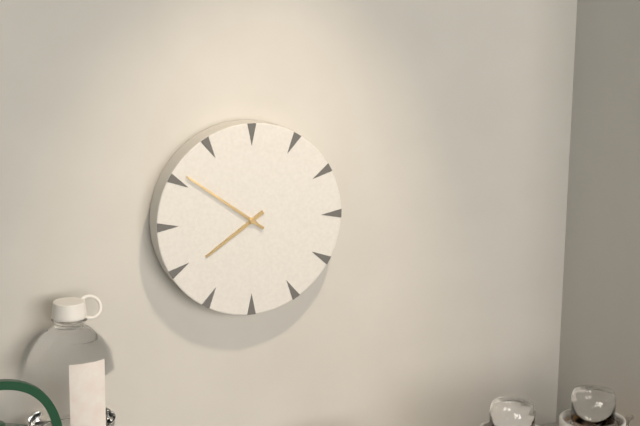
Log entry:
7 h 51 min
